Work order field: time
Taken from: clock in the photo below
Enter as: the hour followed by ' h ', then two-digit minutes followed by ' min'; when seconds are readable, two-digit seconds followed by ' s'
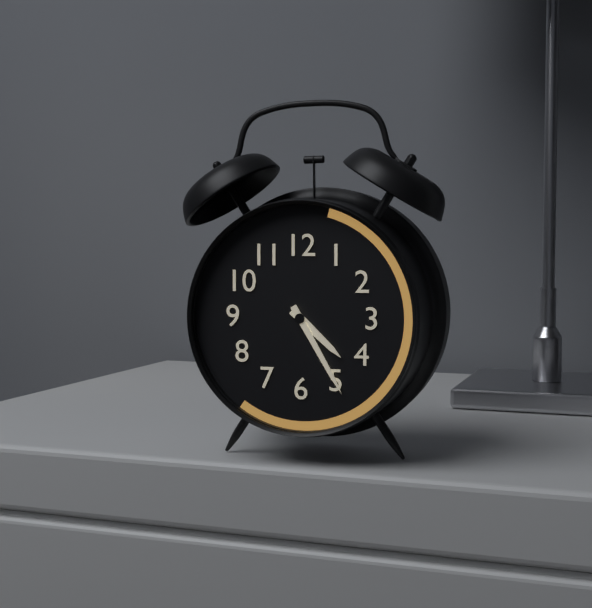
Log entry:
4 h 25 min
